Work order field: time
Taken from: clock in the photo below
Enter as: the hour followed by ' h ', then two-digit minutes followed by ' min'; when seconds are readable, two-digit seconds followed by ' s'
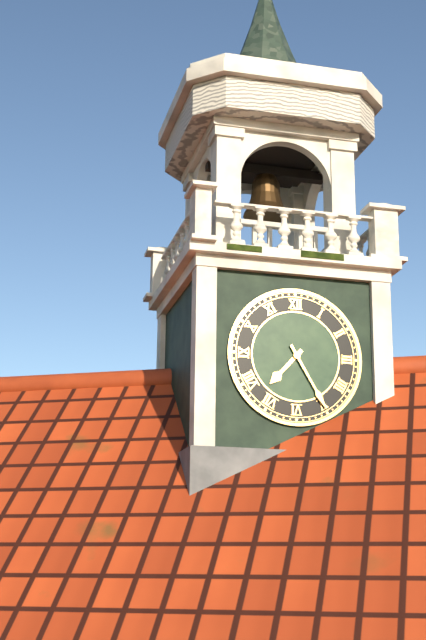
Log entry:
7 h 25 min
